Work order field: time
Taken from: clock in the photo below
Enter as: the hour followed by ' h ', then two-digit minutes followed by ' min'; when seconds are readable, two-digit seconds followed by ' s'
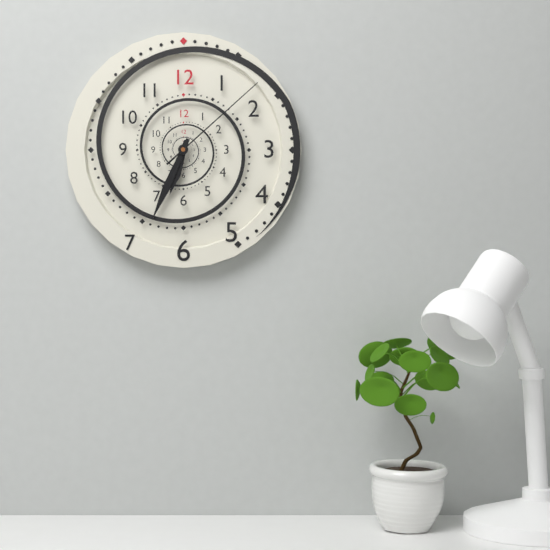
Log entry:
6 h 34 min 08 s
